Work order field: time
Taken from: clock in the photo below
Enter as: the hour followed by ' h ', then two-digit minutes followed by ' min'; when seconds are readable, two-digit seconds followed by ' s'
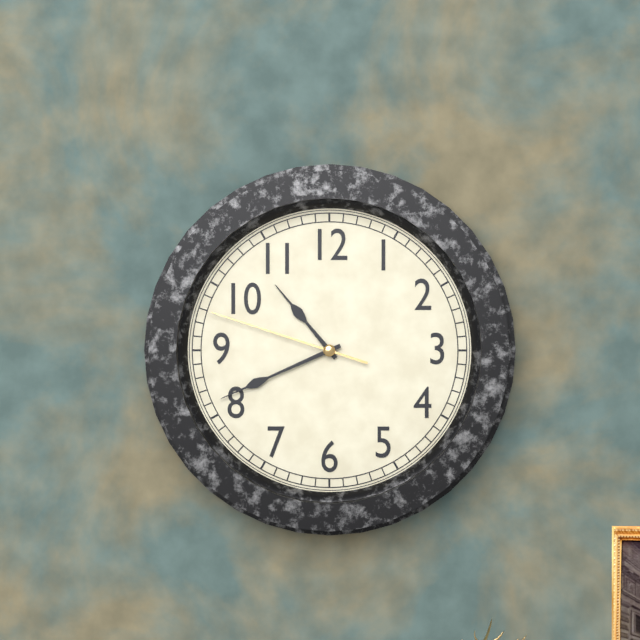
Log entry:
10 h 41 min 48 s
